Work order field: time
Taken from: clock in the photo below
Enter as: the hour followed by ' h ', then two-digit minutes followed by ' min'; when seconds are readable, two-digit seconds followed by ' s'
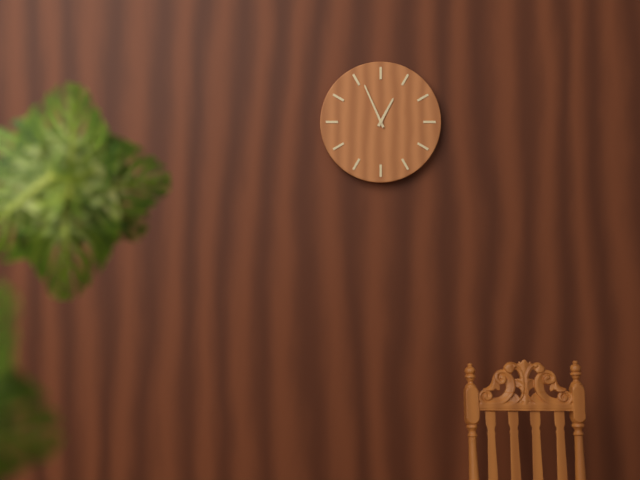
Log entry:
12 h 56 min
